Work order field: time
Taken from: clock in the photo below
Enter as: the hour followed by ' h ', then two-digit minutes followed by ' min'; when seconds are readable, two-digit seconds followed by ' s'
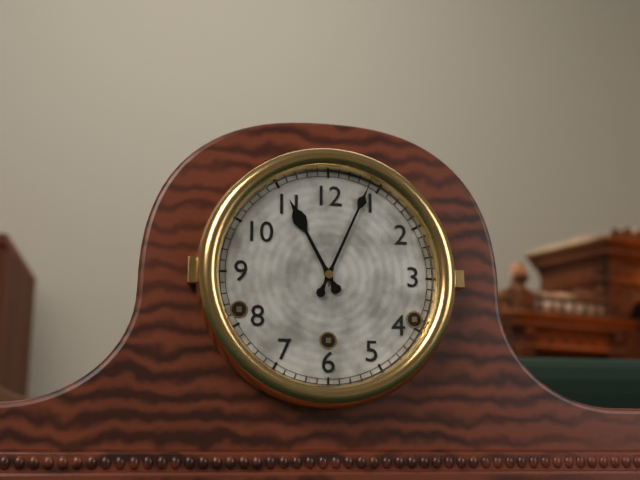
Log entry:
11 h 04 min
